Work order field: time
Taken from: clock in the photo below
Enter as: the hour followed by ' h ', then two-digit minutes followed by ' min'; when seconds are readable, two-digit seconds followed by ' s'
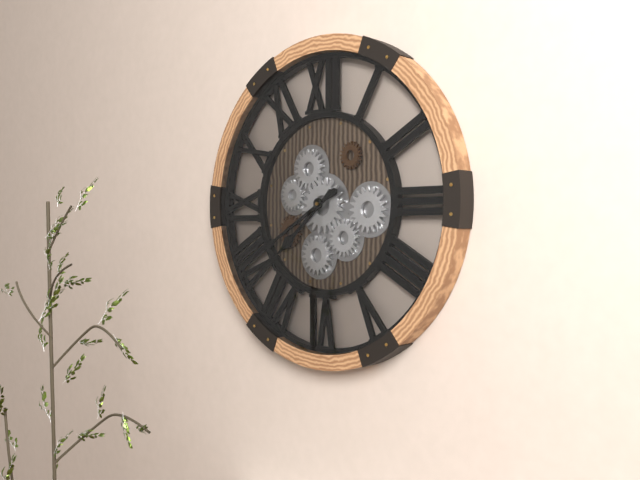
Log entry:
7 h 40 min
